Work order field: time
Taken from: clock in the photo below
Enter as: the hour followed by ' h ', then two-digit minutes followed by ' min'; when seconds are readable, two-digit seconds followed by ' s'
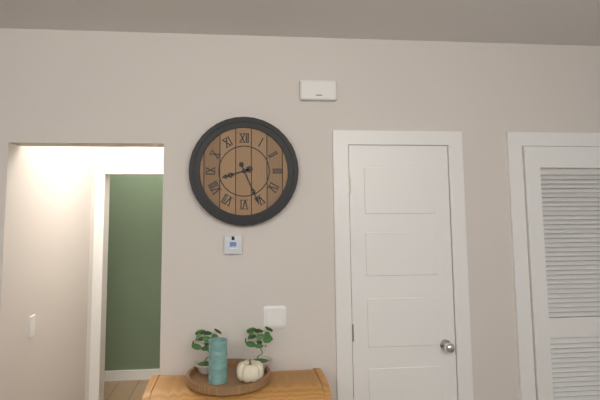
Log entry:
8 h 26 min
